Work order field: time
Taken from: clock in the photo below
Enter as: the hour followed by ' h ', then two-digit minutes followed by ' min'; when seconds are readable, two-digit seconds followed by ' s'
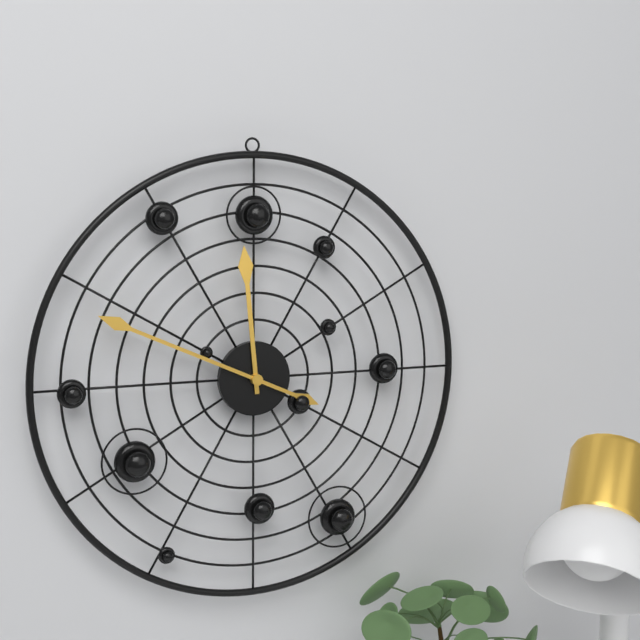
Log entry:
11 h 49 min
